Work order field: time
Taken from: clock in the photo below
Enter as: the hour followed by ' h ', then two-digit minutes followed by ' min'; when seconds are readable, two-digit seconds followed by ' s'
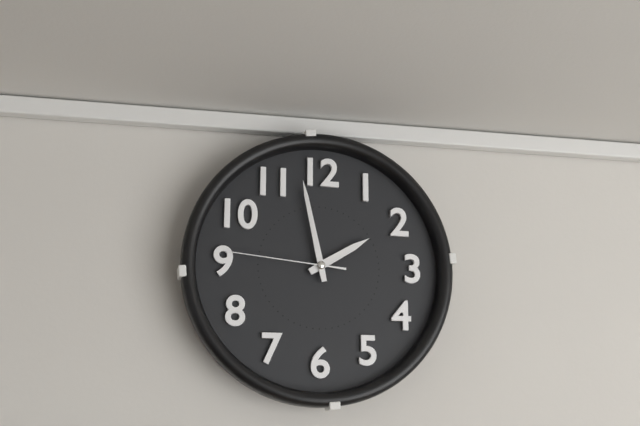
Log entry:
1 h 58 min 46 s
